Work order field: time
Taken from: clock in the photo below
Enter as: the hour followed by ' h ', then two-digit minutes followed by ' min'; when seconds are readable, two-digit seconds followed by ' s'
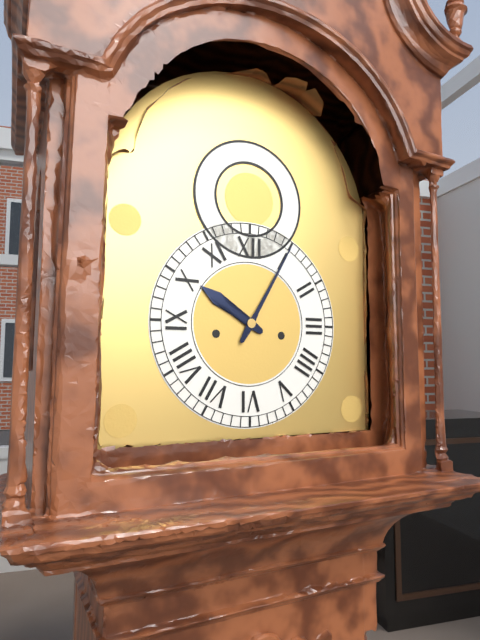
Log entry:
10 h 05 min
